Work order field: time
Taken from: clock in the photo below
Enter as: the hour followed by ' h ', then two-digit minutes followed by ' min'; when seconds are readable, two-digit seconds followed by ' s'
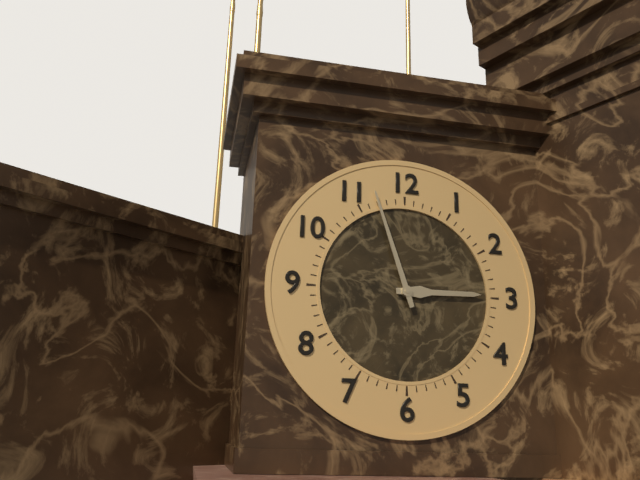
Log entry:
2 h 57 min
